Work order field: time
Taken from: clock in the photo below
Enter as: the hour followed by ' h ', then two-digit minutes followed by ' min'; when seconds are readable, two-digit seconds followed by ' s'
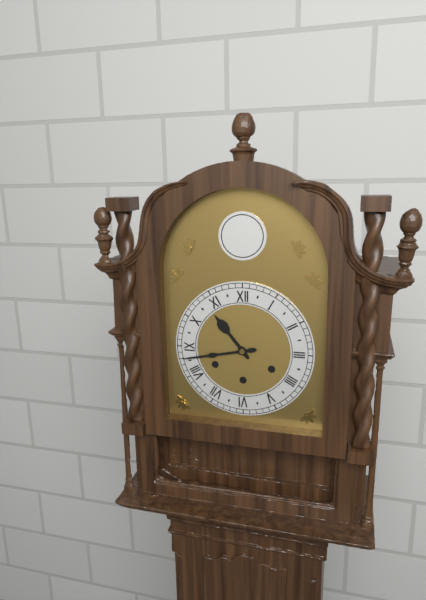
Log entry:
10 h 43 min
